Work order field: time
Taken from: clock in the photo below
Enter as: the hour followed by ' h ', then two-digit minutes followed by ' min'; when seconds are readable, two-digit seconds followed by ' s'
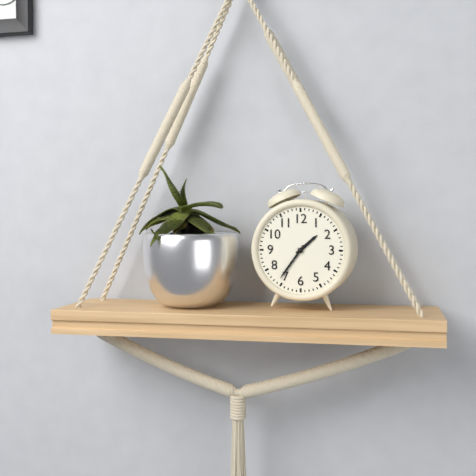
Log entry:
1 h 36 min
